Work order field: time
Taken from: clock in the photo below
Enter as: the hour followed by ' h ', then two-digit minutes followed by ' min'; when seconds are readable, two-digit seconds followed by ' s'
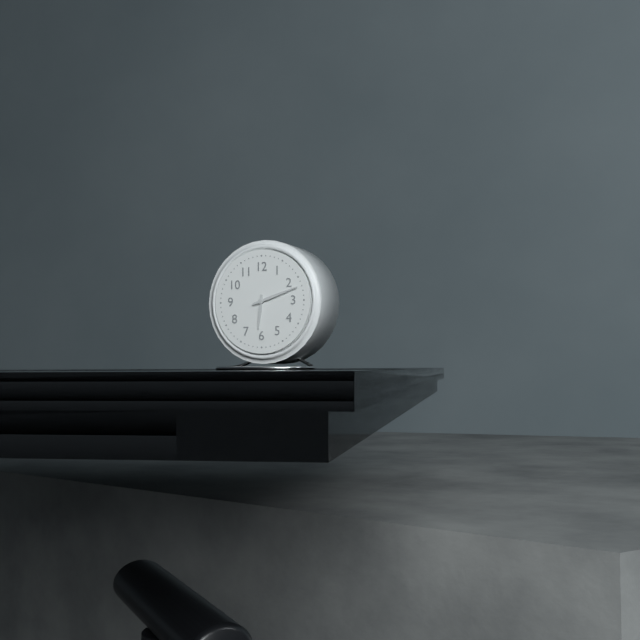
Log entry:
6 h 12 min
